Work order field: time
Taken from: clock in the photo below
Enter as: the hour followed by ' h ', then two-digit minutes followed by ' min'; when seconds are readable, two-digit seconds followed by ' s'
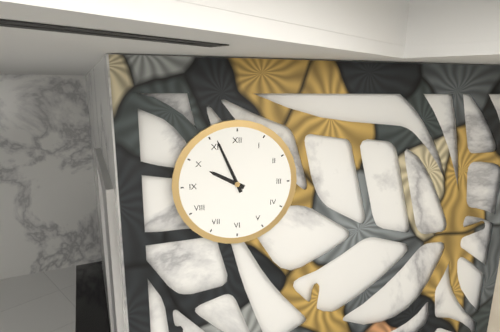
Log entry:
9 h 56 min
